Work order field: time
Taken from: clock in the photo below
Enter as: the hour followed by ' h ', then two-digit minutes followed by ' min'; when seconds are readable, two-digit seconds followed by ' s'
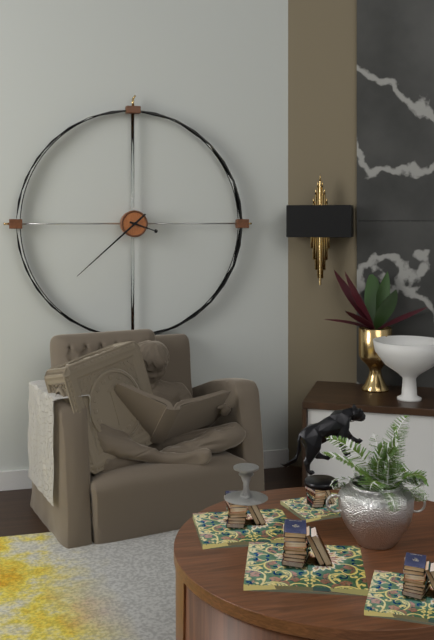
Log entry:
3 h 38 min
